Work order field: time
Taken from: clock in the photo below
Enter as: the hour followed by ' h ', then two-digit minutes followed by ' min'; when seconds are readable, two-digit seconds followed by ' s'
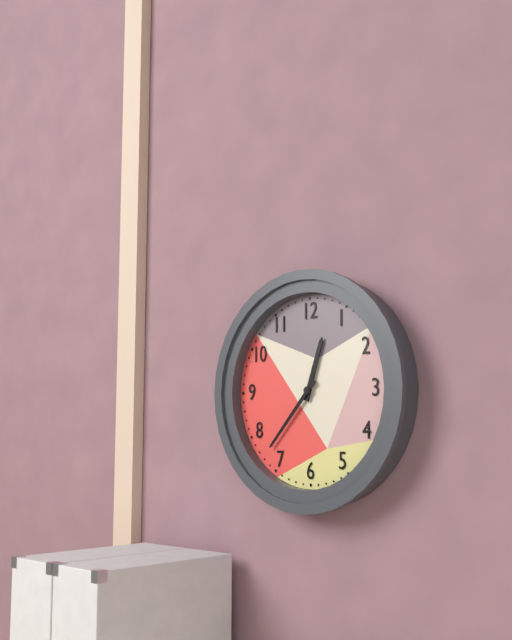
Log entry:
12 h 37 min
